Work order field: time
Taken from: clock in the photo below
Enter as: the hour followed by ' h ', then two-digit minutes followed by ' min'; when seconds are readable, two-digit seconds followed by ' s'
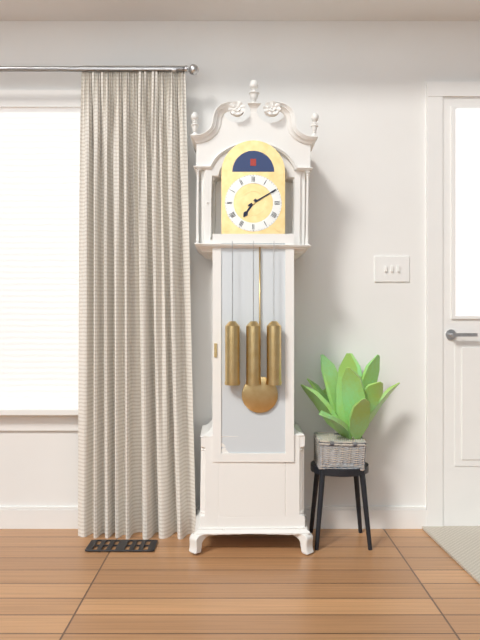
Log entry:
7 h 10 min
